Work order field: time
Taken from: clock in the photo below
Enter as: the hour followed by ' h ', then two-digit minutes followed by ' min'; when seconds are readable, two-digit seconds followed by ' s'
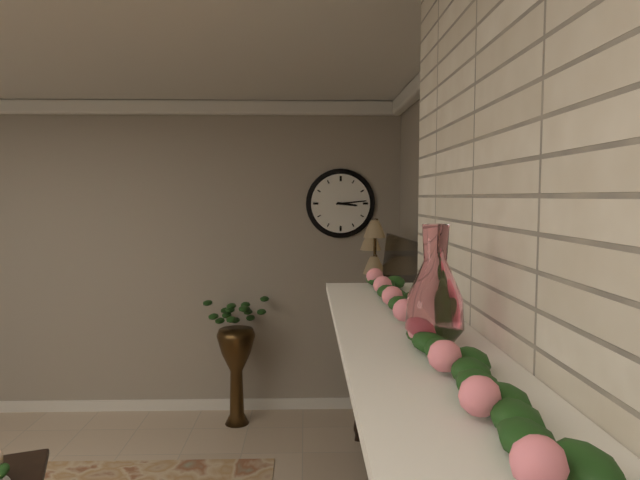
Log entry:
3 h 14 min
